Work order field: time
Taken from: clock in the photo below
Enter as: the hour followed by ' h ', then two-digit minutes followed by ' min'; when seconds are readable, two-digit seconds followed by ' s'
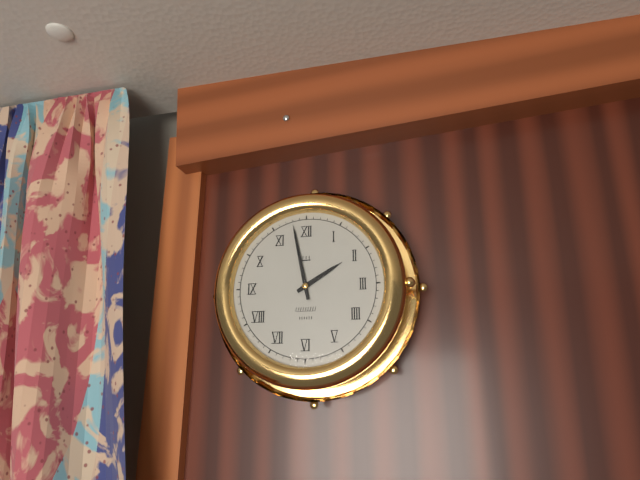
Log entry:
1 h 58 min
